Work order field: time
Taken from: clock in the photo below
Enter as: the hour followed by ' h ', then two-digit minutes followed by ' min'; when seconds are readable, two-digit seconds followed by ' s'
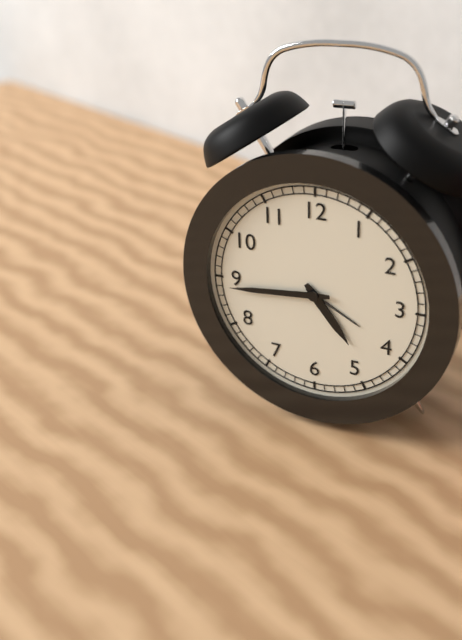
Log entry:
4 h 44 min
